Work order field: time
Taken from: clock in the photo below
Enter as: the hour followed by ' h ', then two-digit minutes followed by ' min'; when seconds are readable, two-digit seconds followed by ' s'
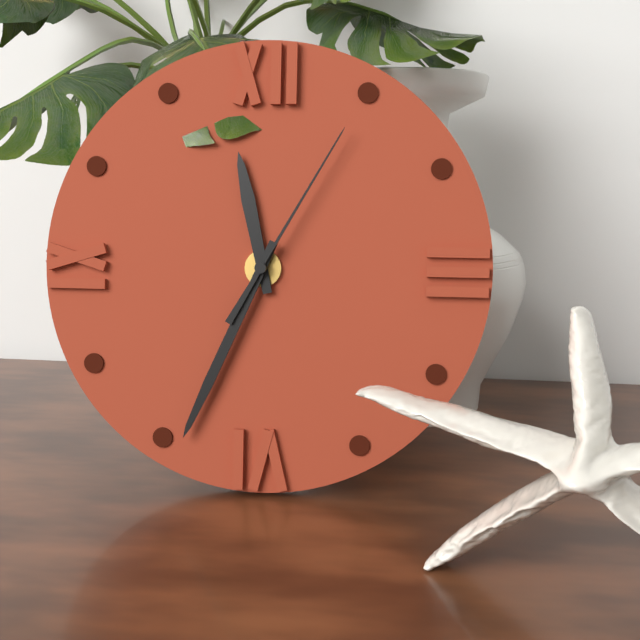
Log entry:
11 h 34 min 05 s
